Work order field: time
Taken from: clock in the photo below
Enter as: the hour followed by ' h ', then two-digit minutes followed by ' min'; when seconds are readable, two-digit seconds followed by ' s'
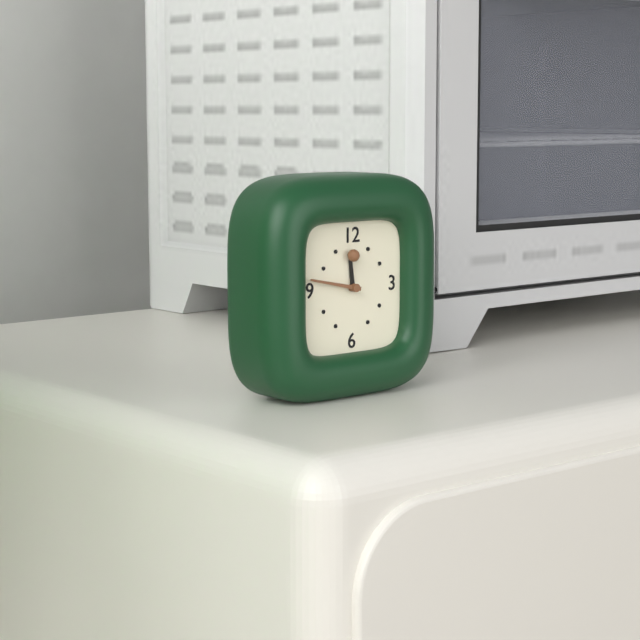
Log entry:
11 h 47 min
